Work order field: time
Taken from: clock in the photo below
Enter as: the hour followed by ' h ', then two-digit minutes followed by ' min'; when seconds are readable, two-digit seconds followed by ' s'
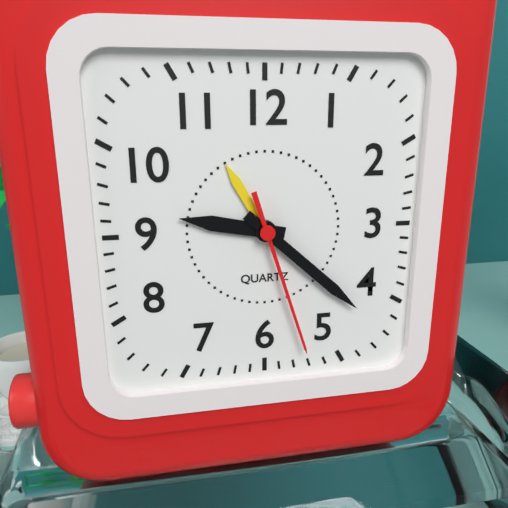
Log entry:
9 h 22 min 27 s
